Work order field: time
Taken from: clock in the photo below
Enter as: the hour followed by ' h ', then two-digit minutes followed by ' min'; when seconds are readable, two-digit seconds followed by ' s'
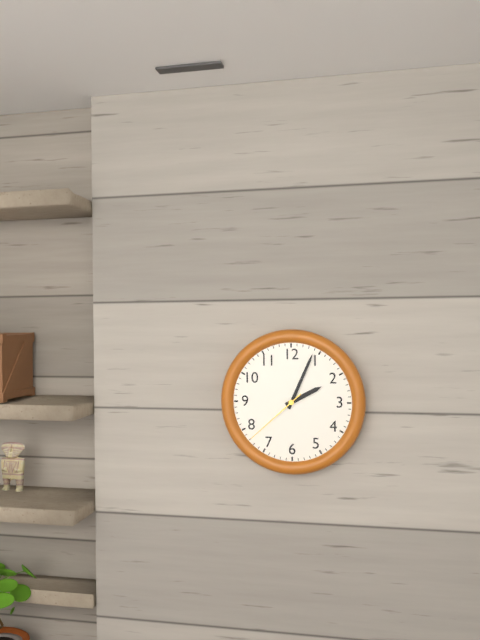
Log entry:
2 h 04 min 38 s
